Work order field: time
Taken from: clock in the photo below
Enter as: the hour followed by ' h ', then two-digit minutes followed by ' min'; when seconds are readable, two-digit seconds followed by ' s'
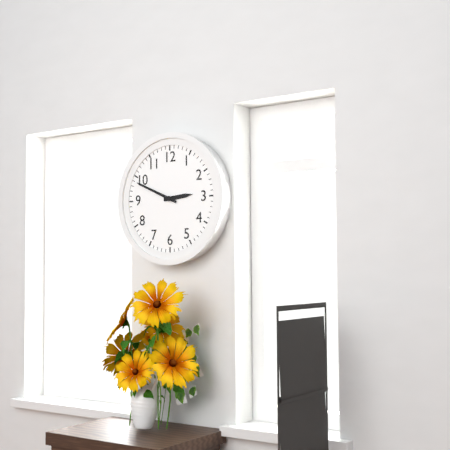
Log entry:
2 h 49 min
